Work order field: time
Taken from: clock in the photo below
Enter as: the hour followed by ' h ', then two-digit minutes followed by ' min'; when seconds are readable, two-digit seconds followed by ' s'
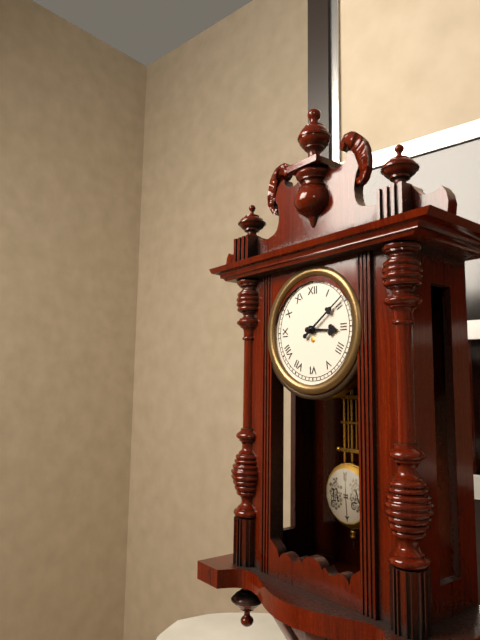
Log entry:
3 h 09 min
